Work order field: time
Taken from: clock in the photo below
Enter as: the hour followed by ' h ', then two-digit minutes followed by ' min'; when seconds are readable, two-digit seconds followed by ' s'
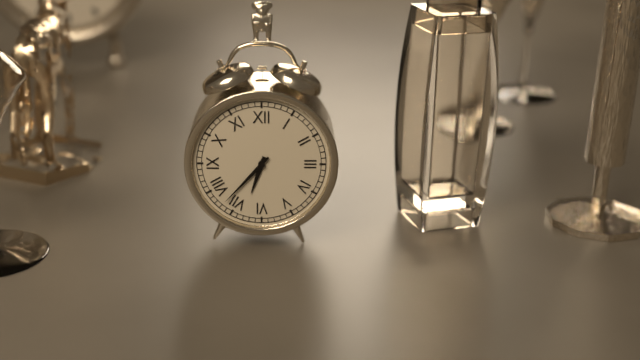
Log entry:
6 h 37 min
